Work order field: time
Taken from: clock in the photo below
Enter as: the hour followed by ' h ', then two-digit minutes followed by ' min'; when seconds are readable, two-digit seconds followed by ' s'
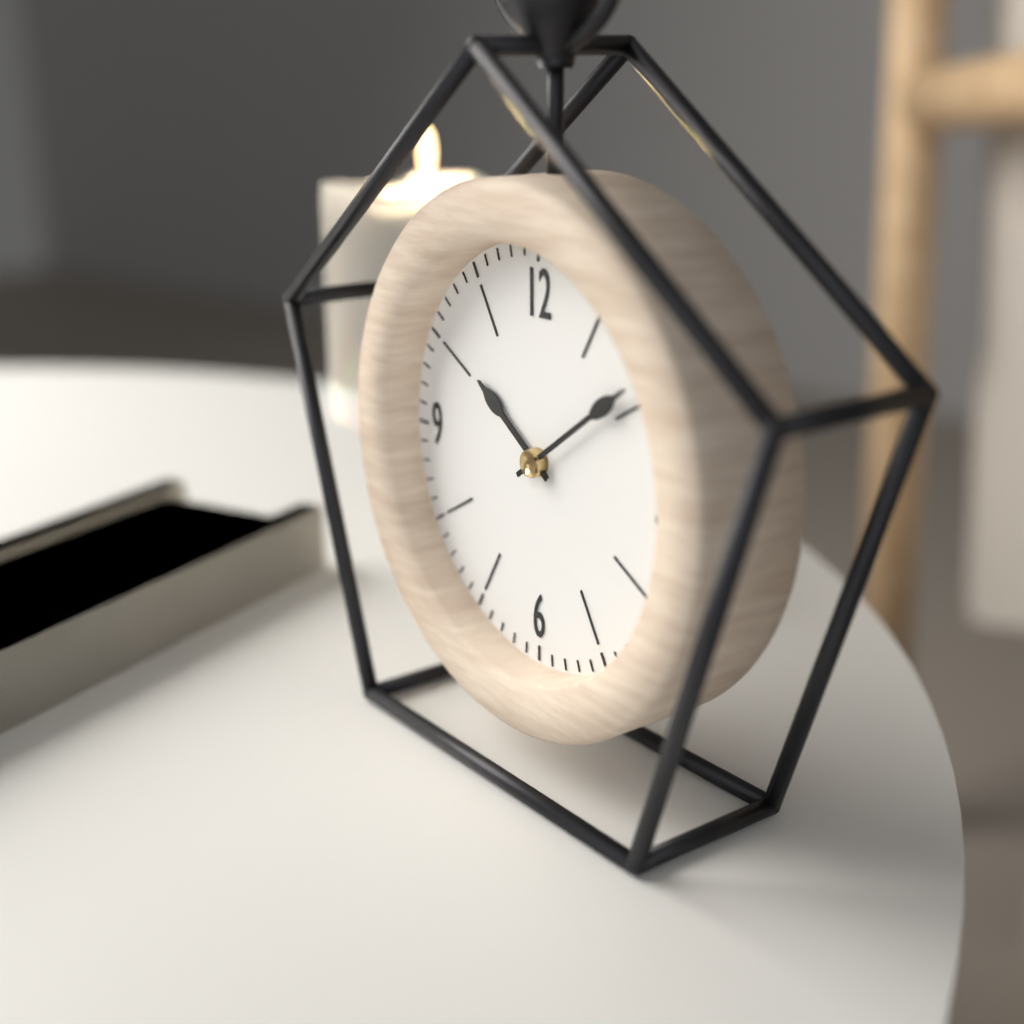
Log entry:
10 h 09 min
